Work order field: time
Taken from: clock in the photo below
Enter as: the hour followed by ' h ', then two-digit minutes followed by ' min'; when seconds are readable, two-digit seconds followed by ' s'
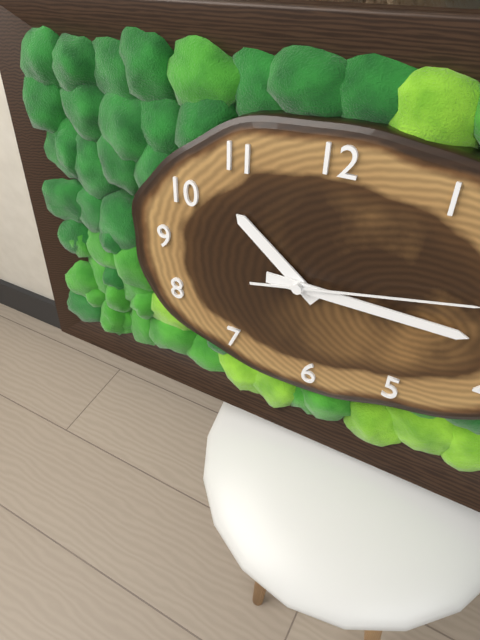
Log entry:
10 h 15 min
